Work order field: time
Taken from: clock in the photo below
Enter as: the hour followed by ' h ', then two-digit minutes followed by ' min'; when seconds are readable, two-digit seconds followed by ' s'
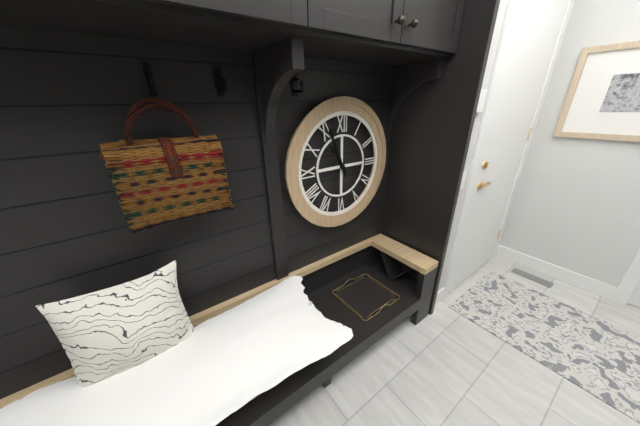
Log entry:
10 h 56 min
